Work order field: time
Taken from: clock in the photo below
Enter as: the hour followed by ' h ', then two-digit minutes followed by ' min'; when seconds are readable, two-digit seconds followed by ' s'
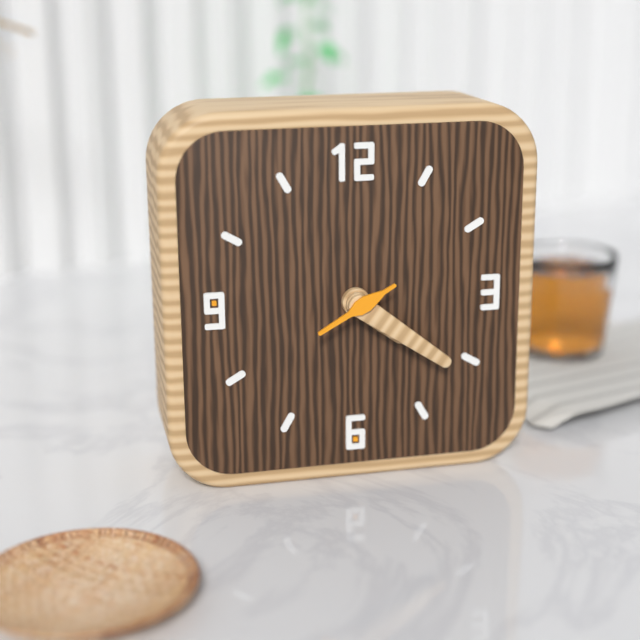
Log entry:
4 h 21 min 40 s
